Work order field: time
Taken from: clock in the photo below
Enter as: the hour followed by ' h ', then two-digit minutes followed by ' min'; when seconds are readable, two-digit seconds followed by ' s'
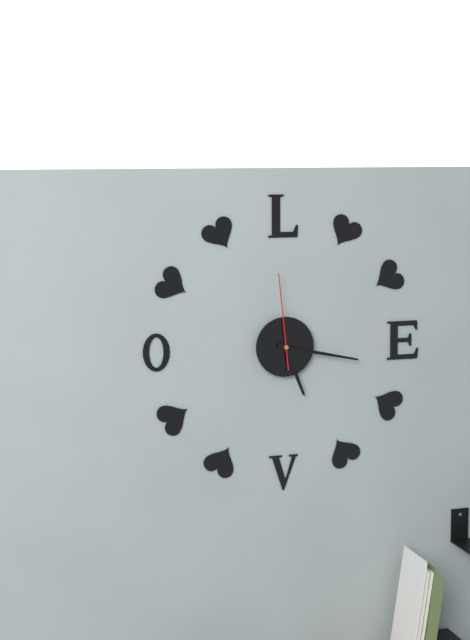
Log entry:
5 h 17 min 59 s
